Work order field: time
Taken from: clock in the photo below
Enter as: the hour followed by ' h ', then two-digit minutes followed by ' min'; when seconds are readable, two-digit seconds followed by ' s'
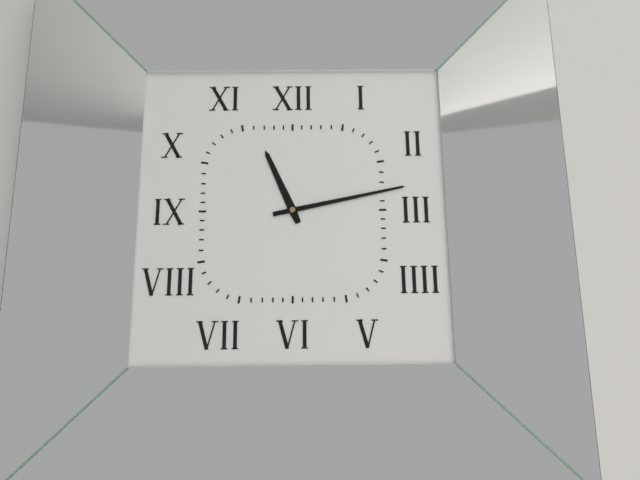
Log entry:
11 h 13 min
